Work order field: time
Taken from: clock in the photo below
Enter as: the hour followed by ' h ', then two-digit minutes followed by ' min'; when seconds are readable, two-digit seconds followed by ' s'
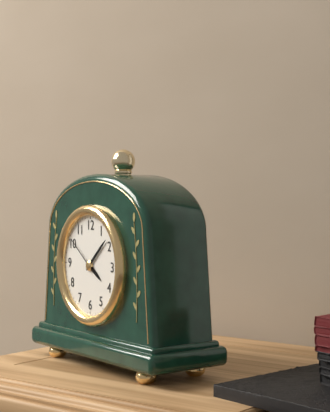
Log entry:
4 h 08 min 51 s
